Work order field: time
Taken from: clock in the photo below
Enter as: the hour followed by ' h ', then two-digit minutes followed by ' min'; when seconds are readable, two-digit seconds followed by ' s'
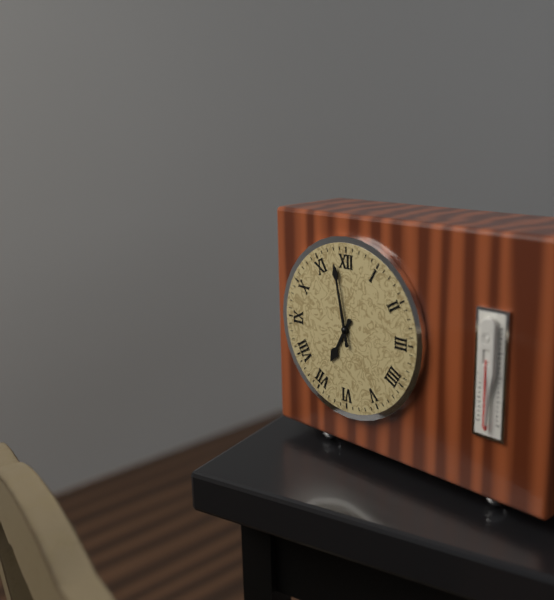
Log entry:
6 h 58 min
